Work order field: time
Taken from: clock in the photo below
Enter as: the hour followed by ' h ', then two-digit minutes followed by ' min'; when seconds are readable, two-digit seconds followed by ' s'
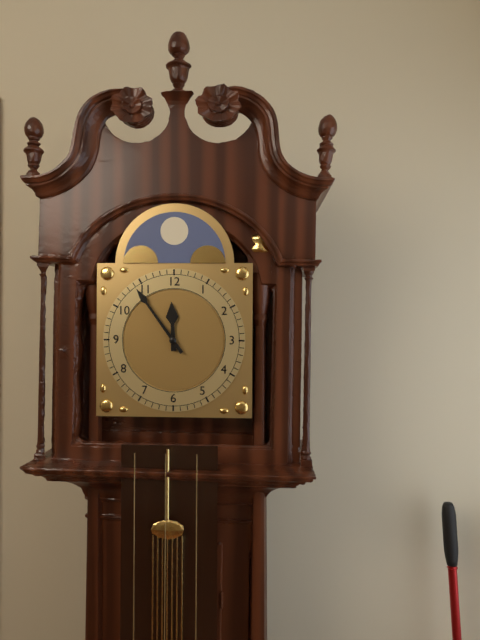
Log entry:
11 h 54 min
